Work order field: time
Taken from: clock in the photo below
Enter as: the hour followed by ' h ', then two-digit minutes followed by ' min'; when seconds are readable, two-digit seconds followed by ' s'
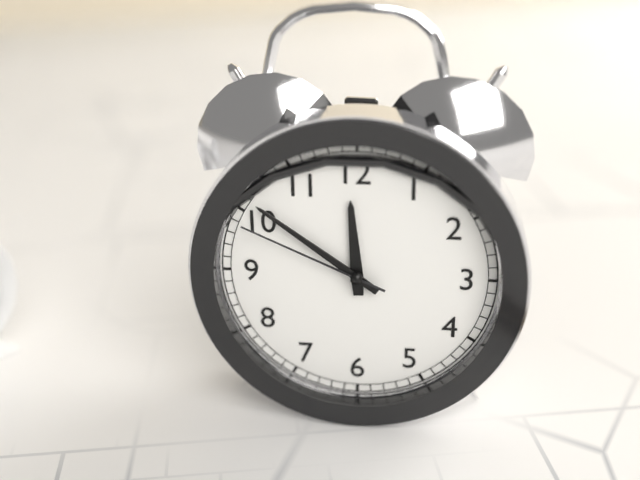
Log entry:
11 h 51 min 49 s
